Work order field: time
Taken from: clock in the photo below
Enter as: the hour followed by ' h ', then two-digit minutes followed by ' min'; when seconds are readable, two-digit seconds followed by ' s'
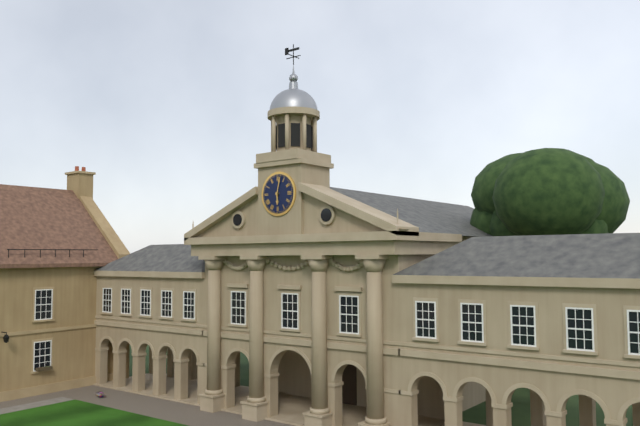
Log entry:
6 h 02 min
